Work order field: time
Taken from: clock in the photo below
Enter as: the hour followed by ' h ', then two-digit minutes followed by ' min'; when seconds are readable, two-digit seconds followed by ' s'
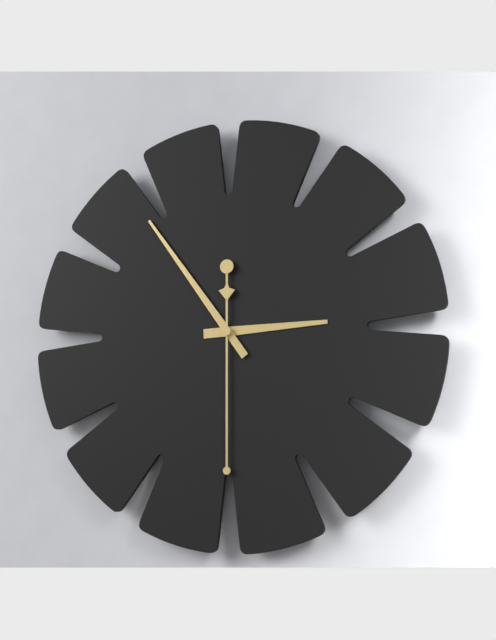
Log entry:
2 h 54 min 30 s
